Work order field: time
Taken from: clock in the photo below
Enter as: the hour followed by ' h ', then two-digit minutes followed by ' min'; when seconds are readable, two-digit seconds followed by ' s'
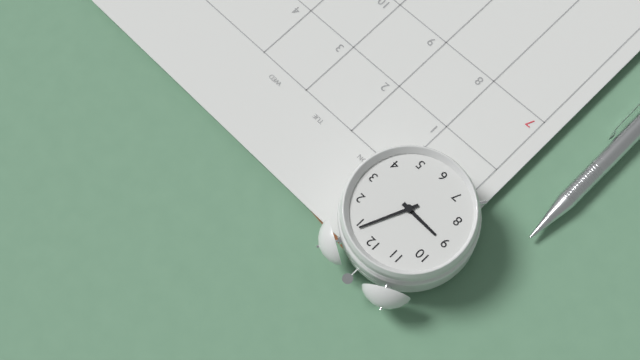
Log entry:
9 h 04 min
